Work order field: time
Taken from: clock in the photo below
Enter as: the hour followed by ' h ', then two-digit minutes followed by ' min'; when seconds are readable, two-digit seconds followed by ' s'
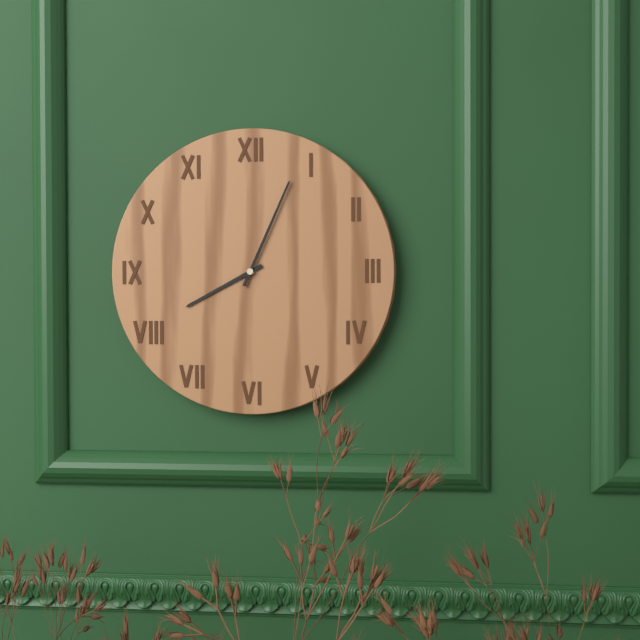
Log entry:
8 h 04 min
